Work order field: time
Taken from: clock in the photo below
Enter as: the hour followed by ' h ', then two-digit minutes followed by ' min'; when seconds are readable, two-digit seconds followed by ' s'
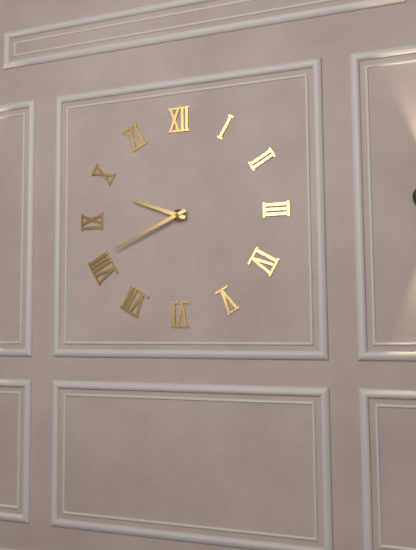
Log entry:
9 h 41 min
